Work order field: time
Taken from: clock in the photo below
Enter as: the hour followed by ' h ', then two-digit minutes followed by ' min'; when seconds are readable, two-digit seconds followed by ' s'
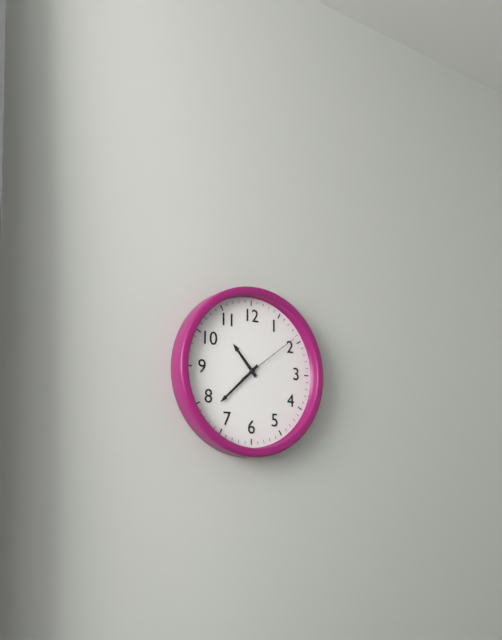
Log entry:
10 h 38 min 09 s
